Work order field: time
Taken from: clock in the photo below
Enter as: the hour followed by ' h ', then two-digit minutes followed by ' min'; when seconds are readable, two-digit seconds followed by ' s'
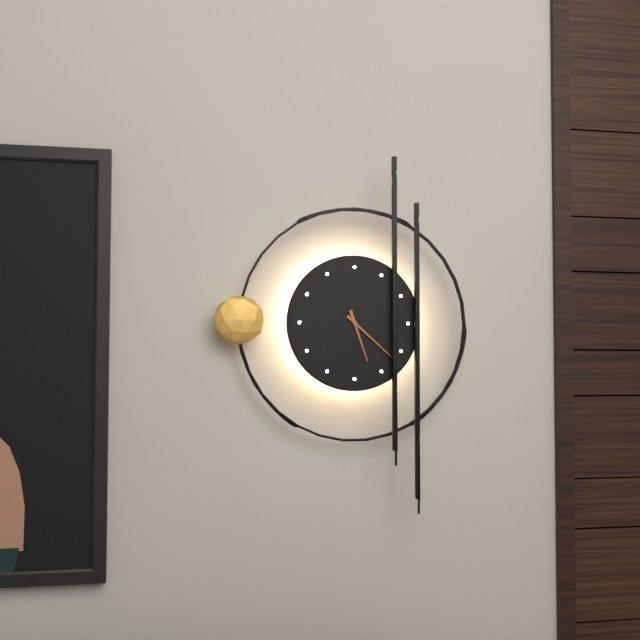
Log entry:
5 h 22 min
